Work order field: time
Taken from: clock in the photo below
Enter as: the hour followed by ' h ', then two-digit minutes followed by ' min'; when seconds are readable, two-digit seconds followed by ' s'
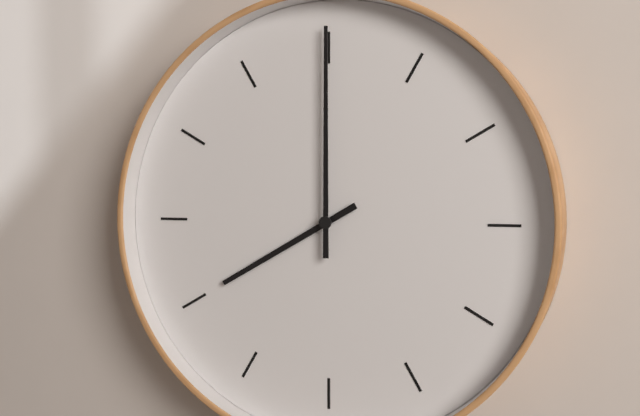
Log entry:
8 h 00 min
